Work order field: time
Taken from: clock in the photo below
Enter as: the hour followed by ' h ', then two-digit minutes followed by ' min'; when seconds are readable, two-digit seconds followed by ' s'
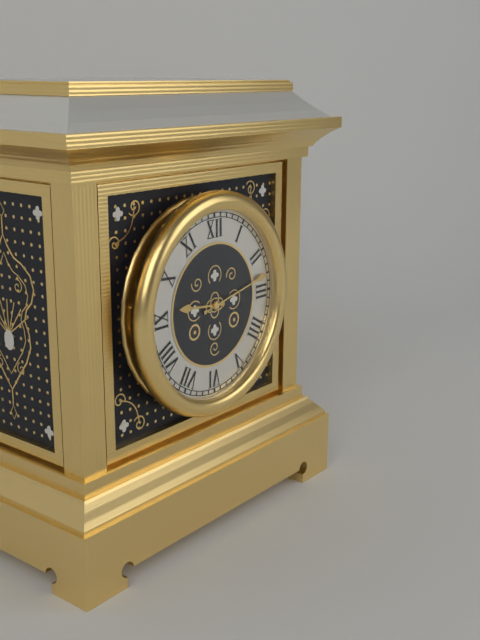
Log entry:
9 h 13 min
